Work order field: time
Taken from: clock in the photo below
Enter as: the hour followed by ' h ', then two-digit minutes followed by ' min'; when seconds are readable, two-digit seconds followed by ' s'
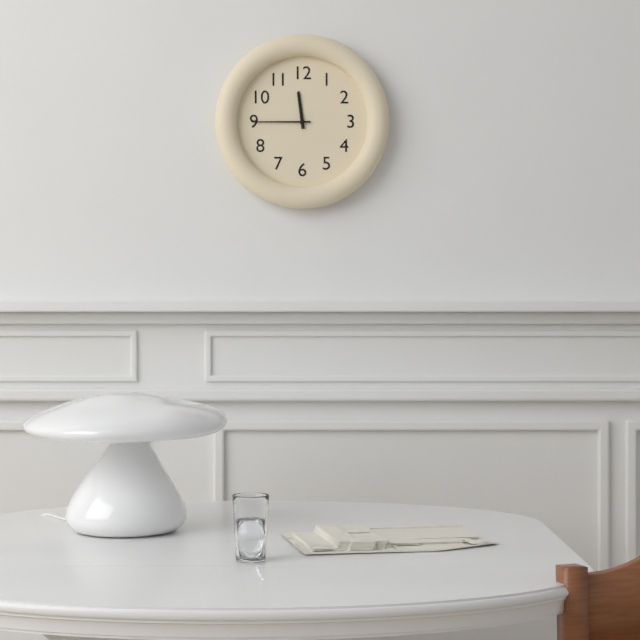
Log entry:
11 h 45 min
